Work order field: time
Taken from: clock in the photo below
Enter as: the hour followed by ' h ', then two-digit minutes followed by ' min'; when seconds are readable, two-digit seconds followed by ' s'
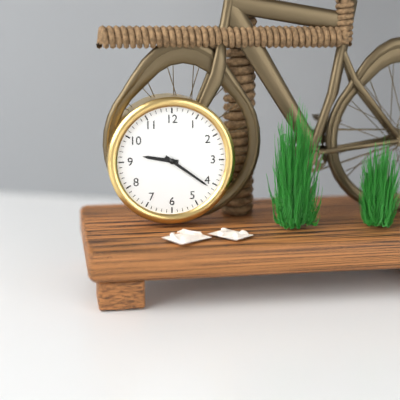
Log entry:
9 h 21 min
